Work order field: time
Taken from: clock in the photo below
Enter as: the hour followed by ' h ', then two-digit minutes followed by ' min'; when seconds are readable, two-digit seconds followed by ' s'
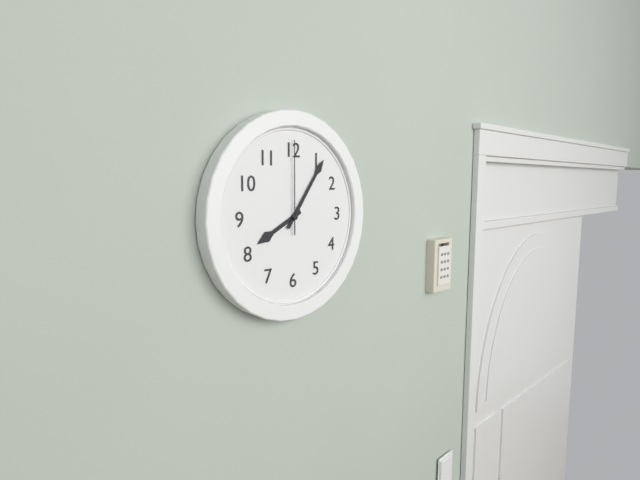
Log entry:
8 h 06 min 00 s
